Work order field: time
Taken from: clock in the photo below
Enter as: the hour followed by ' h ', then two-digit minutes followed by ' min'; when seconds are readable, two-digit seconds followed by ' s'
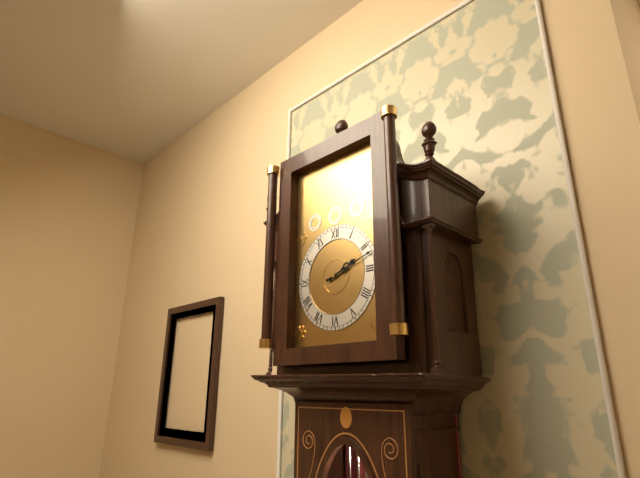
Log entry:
2 h 12 min
